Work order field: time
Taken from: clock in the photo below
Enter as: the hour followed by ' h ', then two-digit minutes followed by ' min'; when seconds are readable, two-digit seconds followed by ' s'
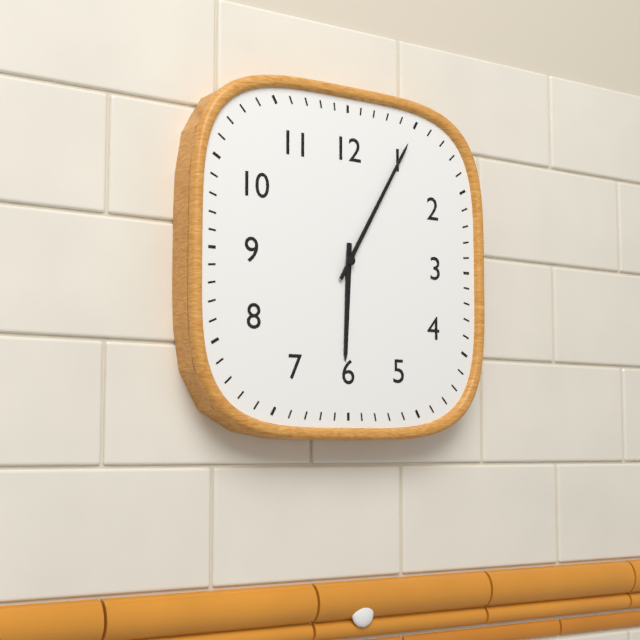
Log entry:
6 h 05 min
